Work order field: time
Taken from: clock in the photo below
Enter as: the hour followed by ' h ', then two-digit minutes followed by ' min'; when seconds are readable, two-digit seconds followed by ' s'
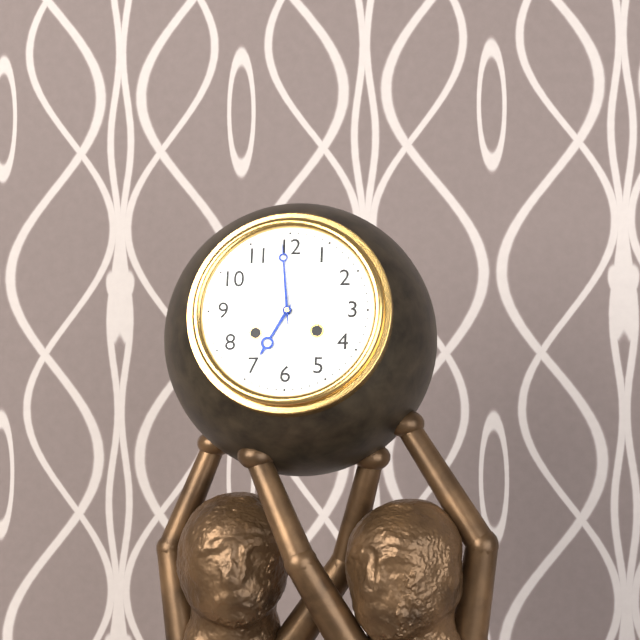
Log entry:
6 h 59 min
